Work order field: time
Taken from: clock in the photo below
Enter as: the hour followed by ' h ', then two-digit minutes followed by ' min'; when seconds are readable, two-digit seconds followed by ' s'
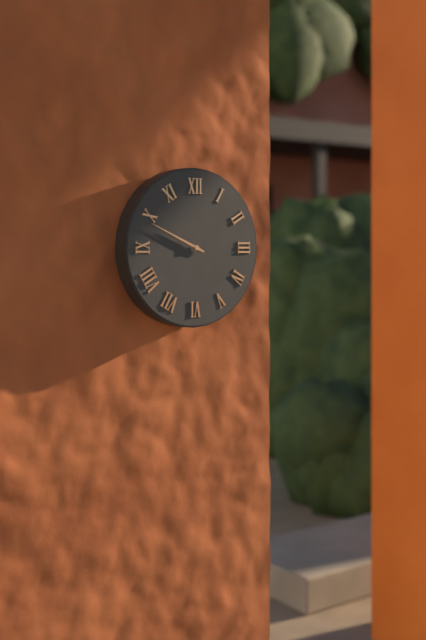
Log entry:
9 h 49 min
